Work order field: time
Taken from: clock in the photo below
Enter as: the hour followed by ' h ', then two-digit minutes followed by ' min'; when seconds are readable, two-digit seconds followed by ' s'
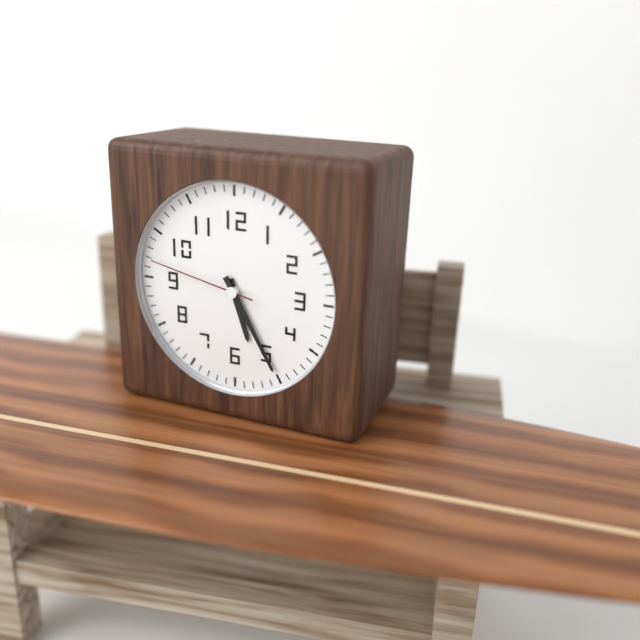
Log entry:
5 h 25 min 47 s
